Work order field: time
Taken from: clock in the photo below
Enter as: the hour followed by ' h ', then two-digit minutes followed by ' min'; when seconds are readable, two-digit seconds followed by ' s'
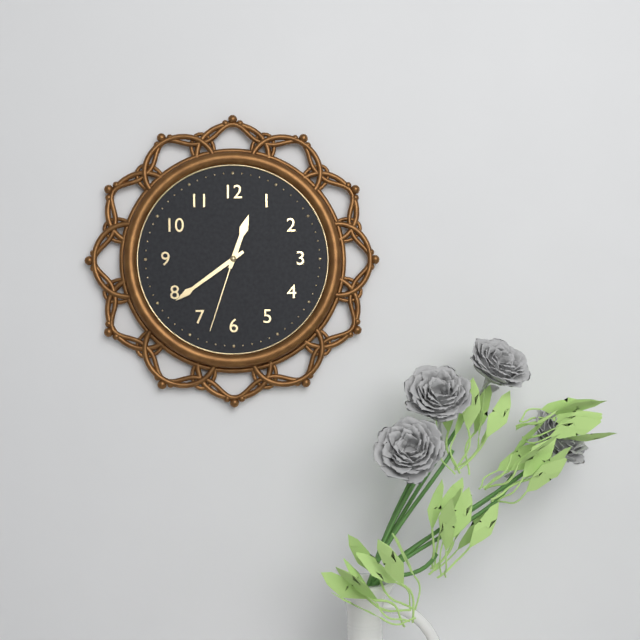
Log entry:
12 h 39 min 33 s
